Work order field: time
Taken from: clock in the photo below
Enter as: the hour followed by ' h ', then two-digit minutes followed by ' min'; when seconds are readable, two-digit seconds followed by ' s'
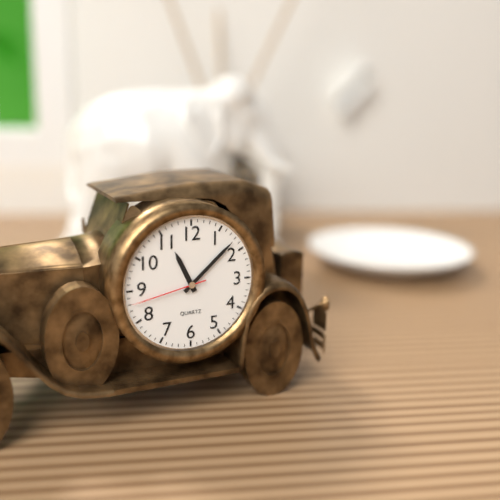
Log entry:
11 h 08 min 43 s
